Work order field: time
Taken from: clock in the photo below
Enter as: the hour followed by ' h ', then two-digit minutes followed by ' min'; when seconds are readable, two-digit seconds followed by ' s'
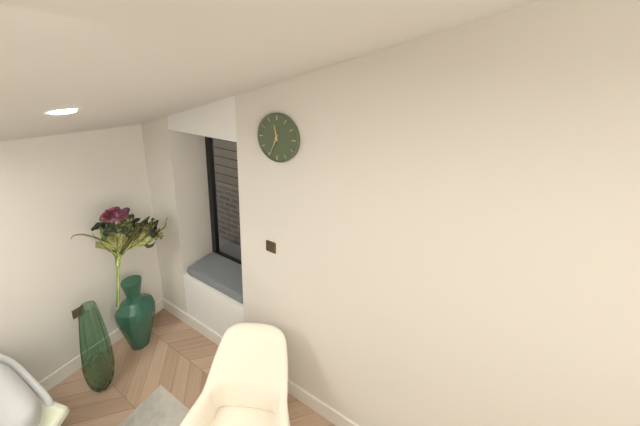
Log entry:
11 h 34 min
